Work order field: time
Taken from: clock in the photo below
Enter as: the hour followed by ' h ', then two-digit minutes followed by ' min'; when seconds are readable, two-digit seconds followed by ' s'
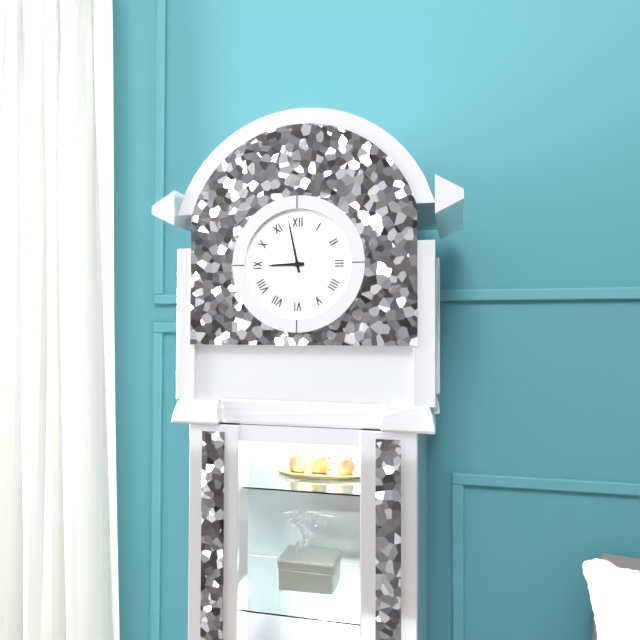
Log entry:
8 h 58 min
